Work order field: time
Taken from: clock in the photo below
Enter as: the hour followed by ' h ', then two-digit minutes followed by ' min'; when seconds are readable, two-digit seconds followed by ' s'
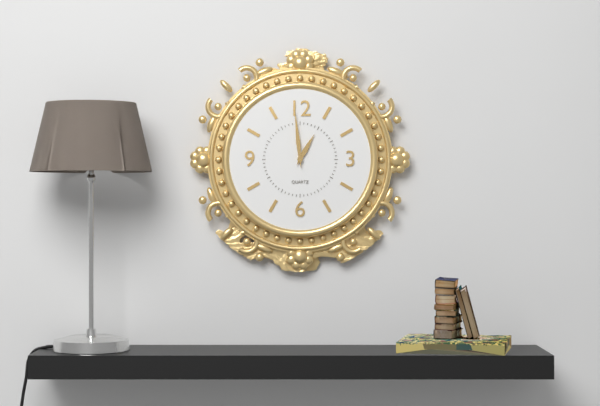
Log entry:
12 h 59 min
